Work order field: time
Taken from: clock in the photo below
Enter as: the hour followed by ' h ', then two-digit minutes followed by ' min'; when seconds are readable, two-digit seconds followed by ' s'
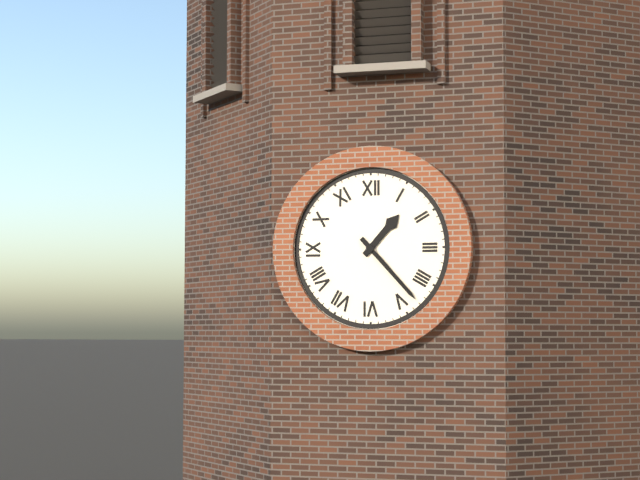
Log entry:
1 h 23 min
